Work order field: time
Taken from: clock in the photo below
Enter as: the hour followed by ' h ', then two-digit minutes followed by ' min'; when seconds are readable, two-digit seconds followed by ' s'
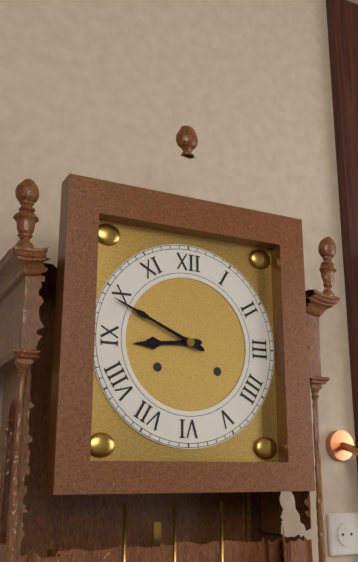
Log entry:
8 h 49 min
